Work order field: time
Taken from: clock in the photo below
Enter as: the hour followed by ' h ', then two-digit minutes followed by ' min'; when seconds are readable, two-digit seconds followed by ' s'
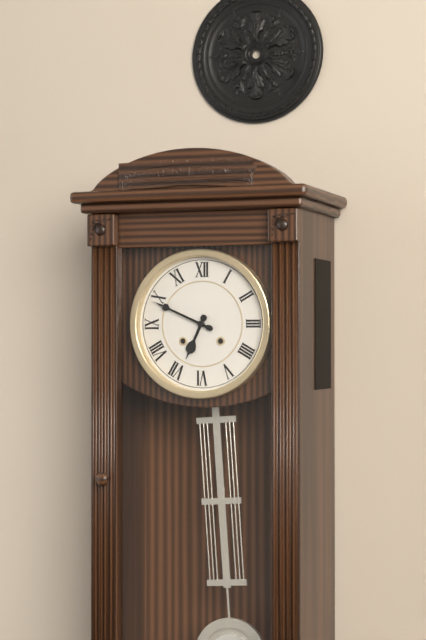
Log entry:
6 h 49 min
